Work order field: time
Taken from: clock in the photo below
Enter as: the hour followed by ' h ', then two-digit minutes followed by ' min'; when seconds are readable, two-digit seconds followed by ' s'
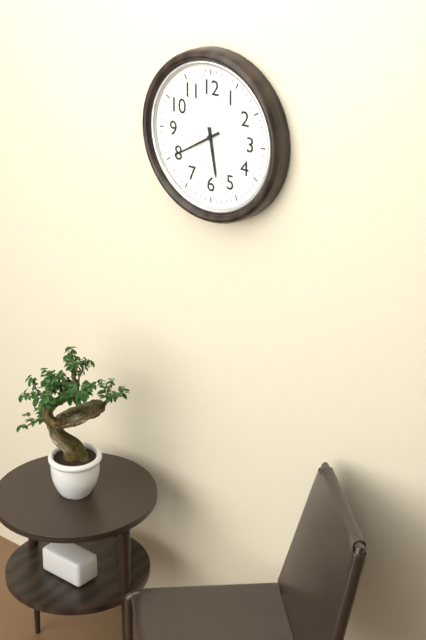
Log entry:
5 h 40 min
